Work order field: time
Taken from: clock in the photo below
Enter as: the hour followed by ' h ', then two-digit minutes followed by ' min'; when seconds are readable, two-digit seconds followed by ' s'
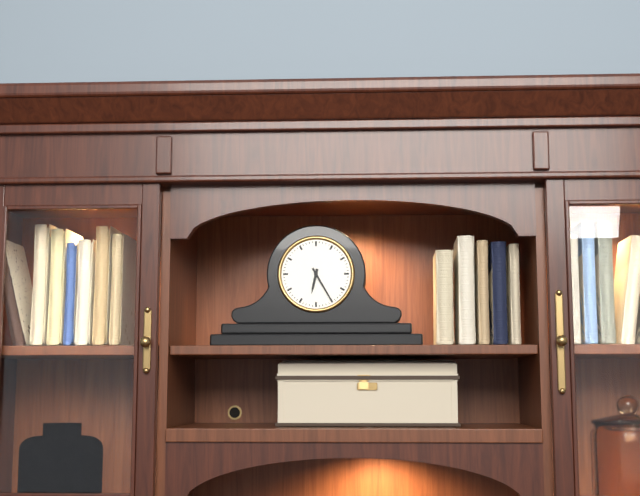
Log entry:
6 h 25 min
